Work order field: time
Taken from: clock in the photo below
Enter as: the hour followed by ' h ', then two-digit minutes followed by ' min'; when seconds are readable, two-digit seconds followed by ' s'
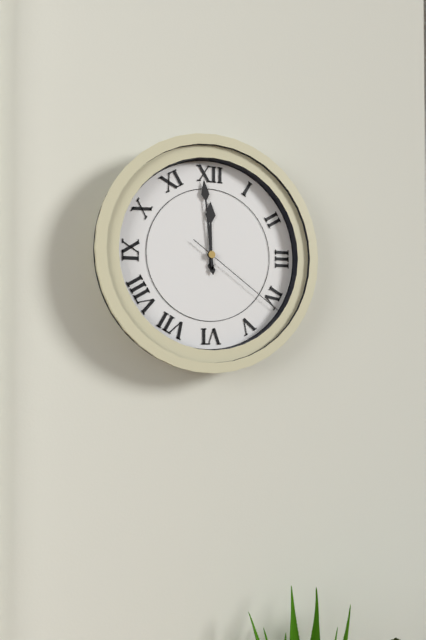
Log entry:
11 h 59 min 21 s
